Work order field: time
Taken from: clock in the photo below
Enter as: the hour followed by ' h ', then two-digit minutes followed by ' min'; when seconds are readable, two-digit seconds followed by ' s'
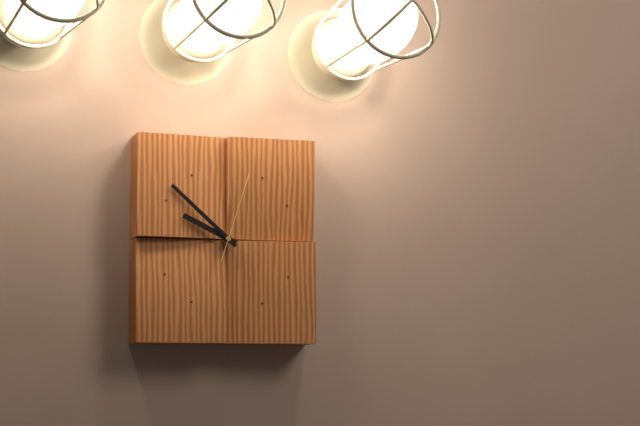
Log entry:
9 h 52 min 03 s
